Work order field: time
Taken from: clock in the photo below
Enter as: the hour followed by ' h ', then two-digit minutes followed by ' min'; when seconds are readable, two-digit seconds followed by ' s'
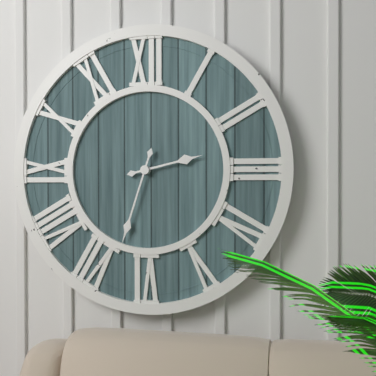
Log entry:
2 h 33 min
